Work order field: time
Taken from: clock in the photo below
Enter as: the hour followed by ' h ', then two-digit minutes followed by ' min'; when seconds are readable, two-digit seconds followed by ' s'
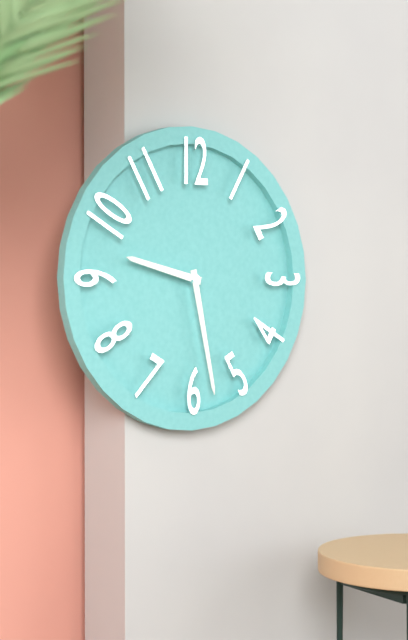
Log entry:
9 h 28 min
